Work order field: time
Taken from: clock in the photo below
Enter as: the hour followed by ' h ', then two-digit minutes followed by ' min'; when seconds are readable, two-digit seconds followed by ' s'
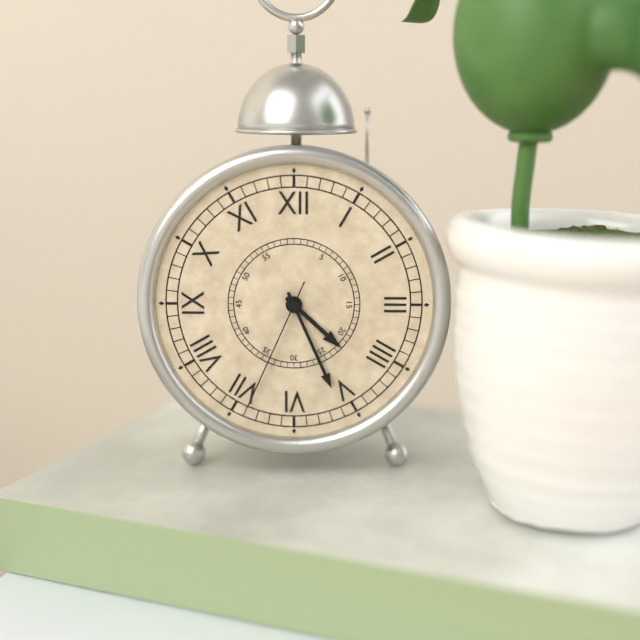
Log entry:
4 h 26 min 34 s
